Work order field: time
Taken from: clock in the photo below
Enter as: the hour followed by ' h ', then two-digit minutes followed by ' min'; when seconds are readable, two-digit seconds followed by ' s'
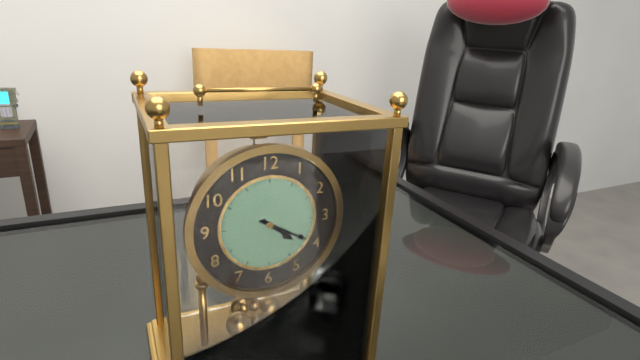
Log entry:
4 h 20 min
